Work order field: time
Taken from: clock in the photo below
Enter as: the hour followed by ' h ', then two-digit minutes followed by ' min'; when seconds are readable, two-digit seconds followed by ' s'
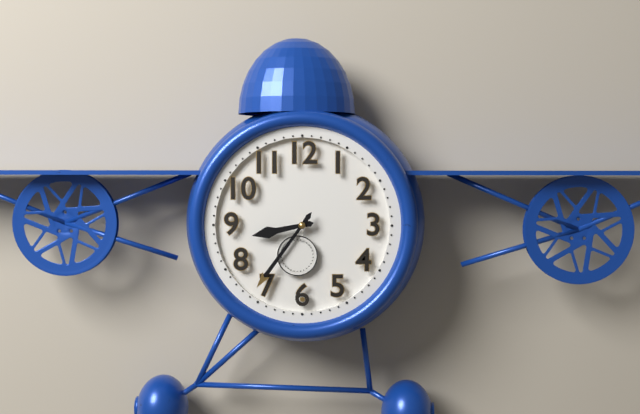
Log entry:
8 h 36 min
